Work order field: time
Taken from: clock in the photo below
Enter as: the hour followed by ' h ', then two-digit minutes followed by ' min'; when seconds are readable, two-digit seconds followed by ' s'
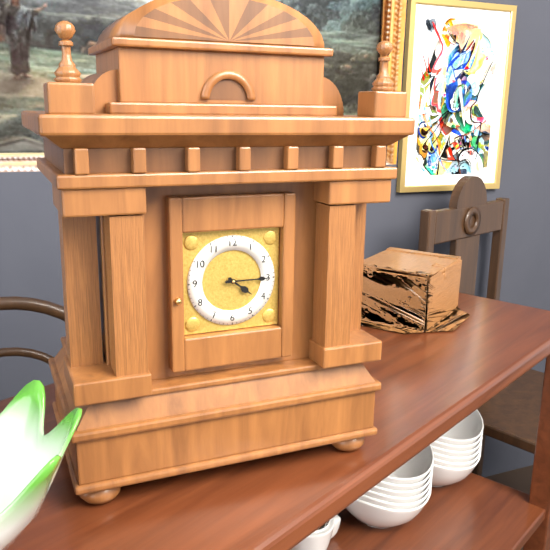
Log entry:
4 h 15 min
